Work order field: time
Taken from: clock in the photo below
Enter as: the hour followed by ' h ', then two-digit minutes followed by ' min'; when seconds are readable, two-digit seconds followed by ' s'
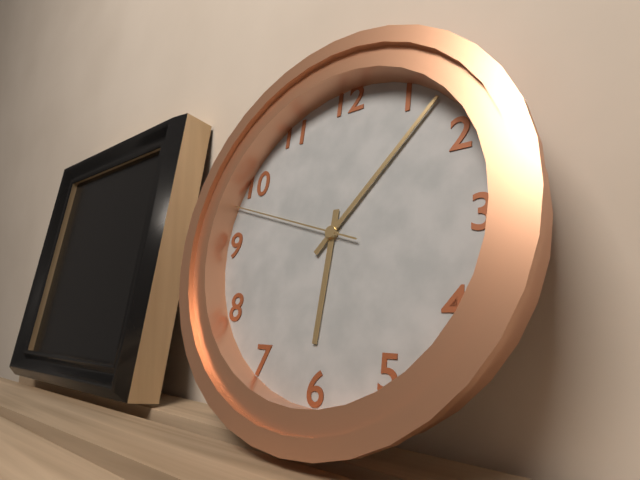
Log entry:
6 h 07 min 48 s
